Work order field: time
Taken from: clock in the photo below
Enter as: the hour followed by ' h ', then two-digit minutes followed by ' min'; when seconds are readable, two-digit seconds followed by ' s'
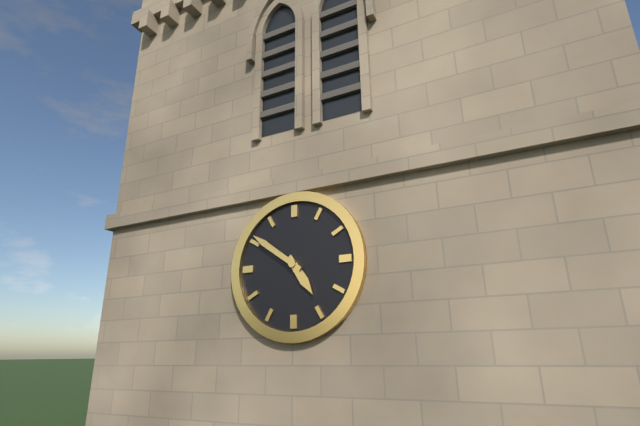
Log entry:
4 h 51 min
